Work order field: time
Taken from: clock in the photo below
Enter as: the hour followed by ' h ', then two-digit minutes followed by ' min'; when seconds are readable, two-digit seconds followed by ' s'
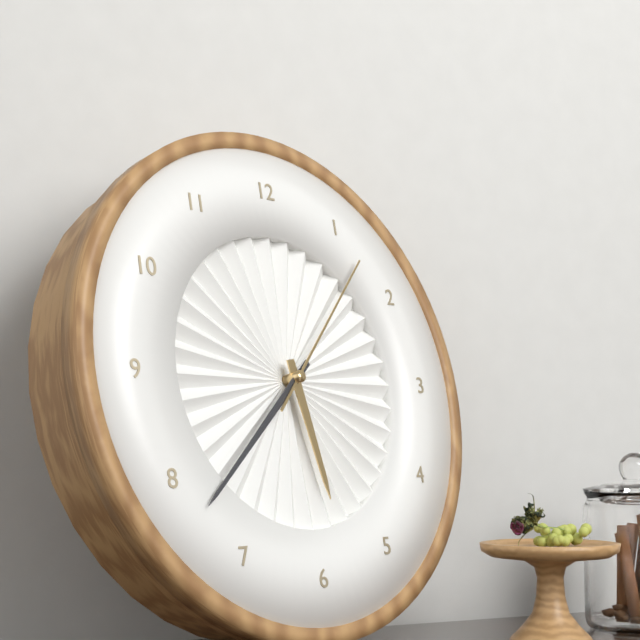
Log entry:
5 h 38 min 07 s
